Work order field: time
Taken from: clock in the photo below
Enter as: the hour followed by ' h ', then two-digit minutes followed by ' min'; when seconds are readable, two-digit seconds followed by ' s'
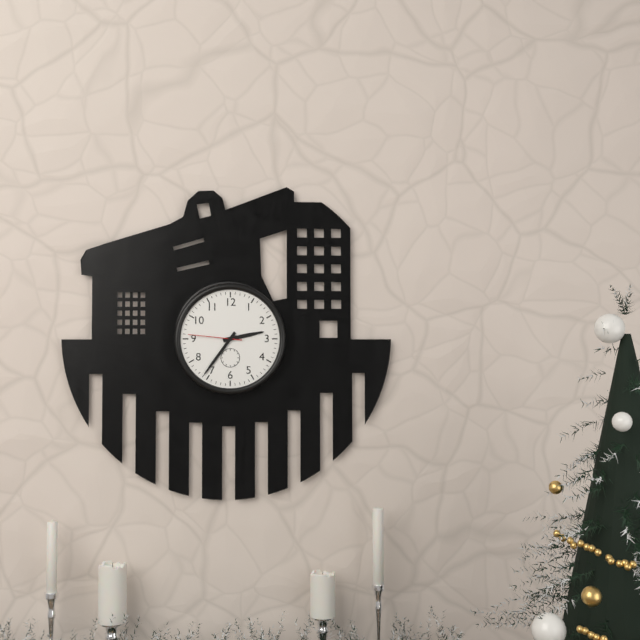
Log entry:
2 h 36 min 46 s
